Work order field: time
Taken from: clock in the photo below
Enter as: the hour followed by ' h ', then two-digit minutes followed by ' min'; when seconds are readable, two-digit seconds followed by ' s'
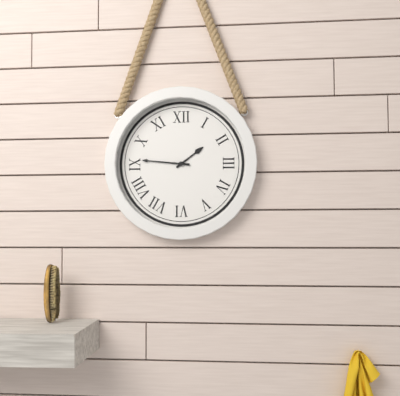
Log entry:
1 h 46 min
